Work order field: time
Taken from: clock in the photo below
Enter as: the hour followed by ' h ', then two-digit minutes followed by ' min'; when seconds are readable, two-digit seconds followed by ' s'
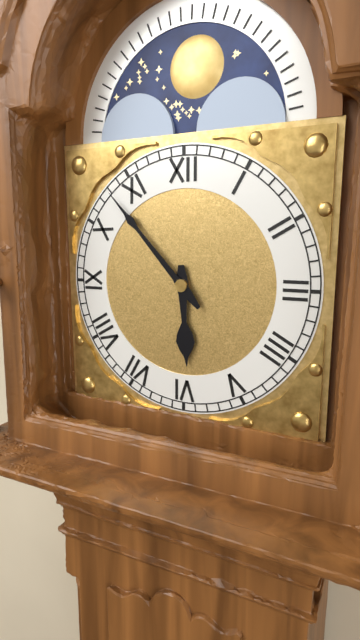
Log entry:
5 h 53 min
